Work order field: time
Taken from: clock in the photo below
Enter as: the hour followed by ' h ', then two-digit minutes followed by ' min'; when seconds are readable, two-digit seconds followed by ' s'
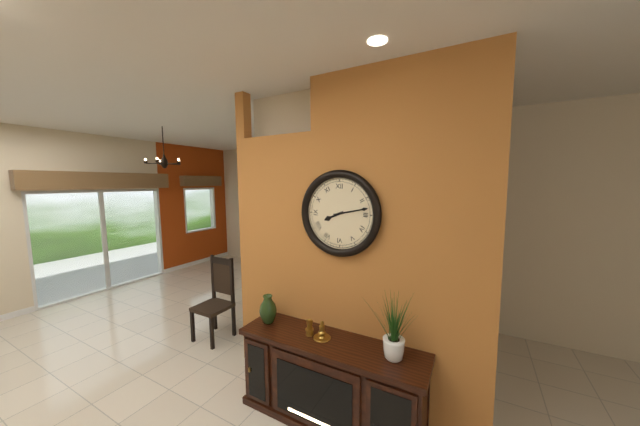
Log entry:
8 h 13 min
